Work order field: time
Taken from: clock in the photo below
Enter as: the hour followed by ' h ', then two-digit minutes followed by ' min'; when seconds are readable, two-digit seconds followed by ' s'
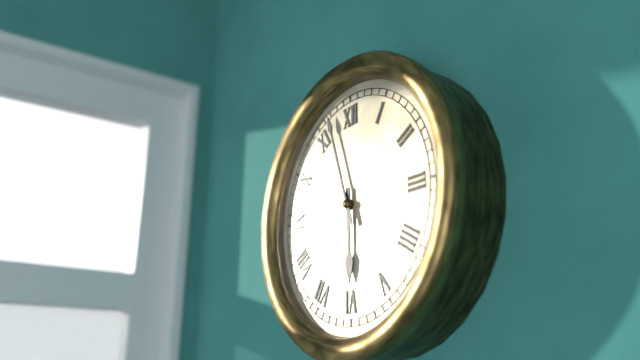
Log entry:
5 h 57 min
